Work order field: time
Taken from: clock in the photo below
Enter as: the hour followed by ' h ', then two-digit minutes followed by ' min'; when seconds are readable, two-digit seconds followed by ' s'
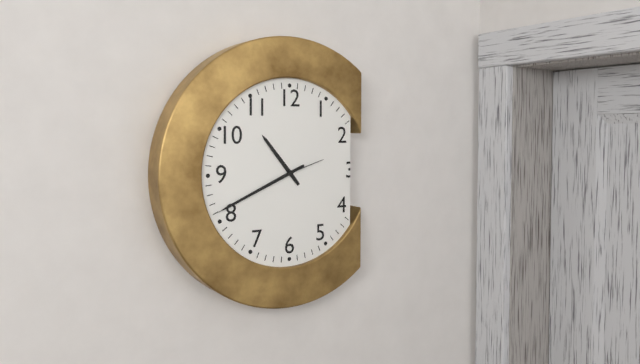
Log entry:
10 h 41 min
